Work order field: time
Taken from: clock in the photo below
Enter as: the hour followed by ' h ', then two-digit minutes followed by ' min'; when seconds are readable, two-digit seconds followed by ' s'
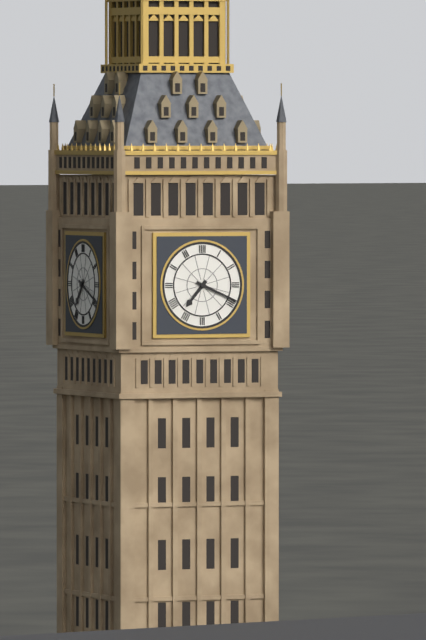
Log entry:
7 h 19 min
